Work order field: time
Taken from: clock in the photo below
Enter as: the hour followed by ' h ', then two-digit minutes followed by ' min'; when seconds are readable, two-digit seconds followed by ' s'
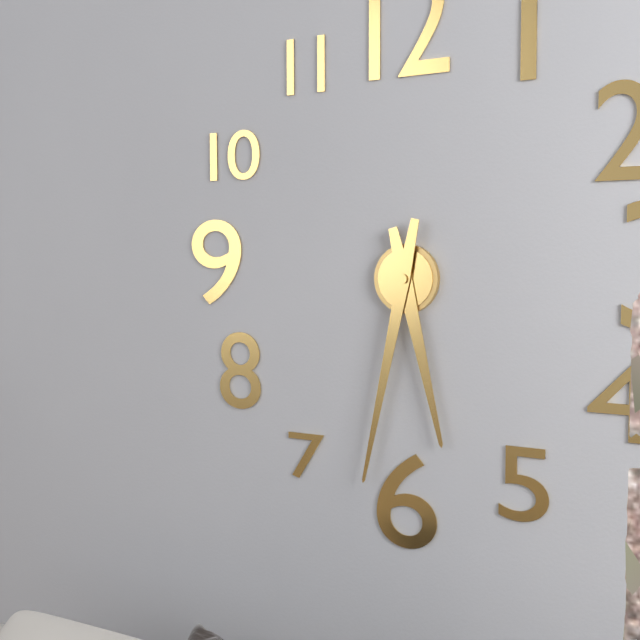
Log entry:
5 h 32 min
